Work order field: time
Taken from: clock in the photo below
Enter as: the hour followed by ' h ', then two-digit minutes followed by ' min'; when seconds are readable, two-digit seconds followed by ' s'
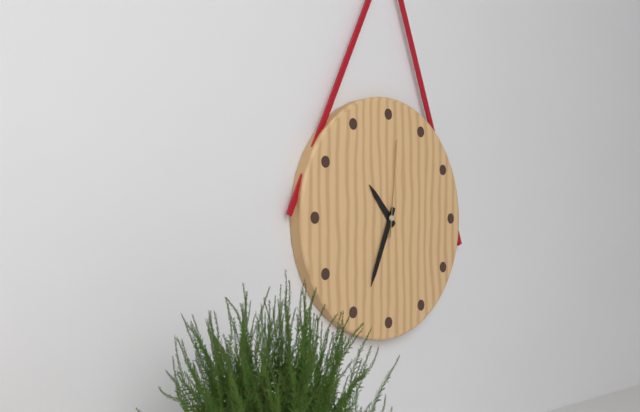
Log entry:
10 h 34 min 01 s
